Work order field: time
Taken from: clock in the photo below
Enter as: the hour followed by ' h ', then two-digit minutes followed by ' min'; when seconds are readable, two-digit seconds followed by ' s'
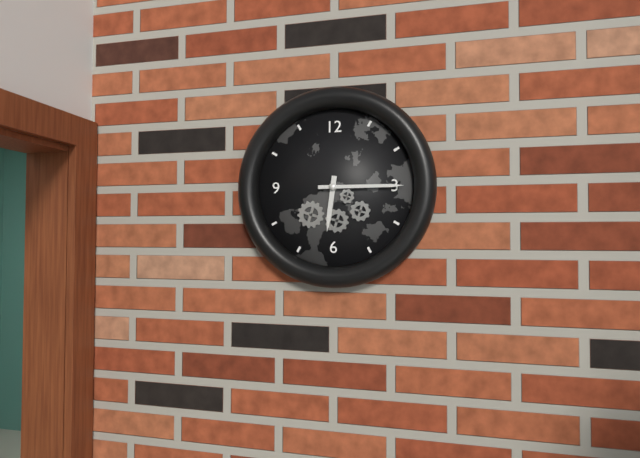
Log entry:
6 h 15 min
